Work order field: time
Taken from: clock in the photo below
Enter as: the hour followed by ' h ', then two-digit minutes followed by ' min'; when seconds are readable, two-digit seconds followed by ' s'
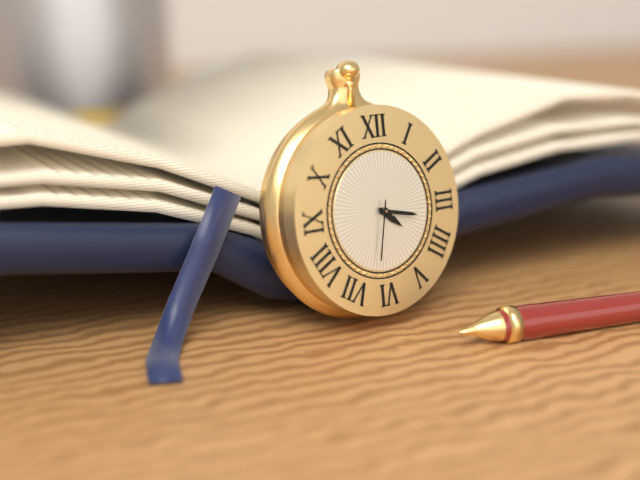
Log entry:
4 h 17 min 32 s
